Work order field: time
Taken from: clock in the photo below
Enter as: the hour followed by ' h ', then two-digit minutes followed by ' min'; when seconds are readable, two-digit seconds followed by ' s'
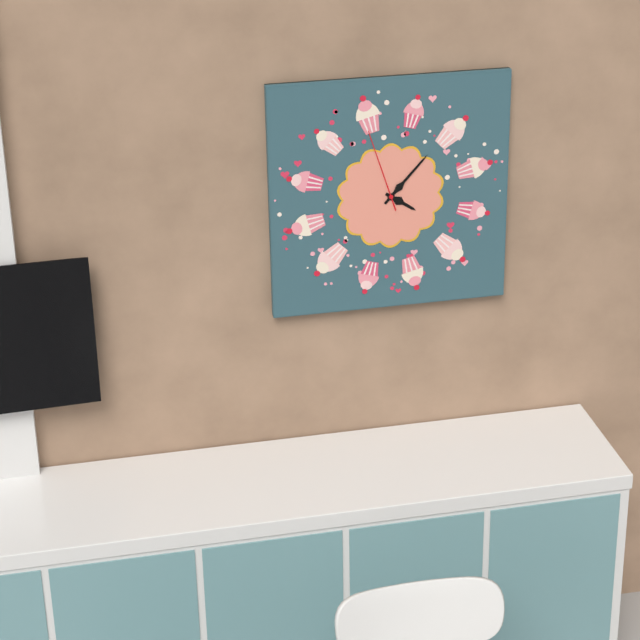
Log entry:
4 h 07 min 57 s
